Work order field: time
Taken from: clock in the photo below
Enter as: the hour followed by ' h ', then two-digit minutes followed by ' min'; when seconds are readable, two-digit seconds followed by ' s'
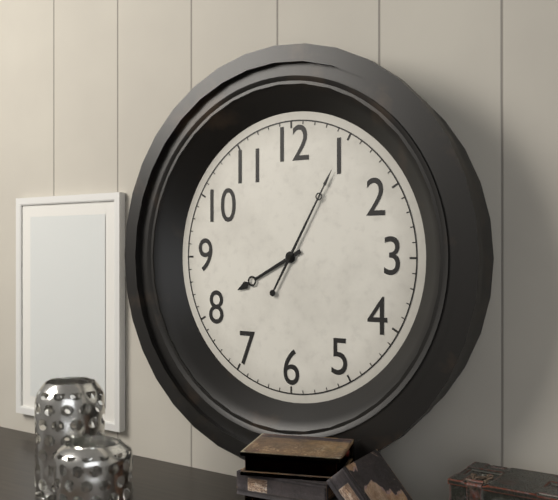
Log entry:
8 h 05 min
